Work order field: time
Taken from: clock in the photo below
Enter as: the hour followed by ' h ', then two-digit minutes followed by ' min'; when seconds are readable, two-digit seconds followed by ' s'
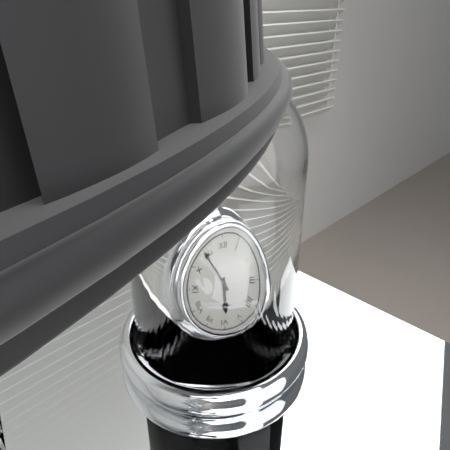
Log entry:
5 h 54 min
